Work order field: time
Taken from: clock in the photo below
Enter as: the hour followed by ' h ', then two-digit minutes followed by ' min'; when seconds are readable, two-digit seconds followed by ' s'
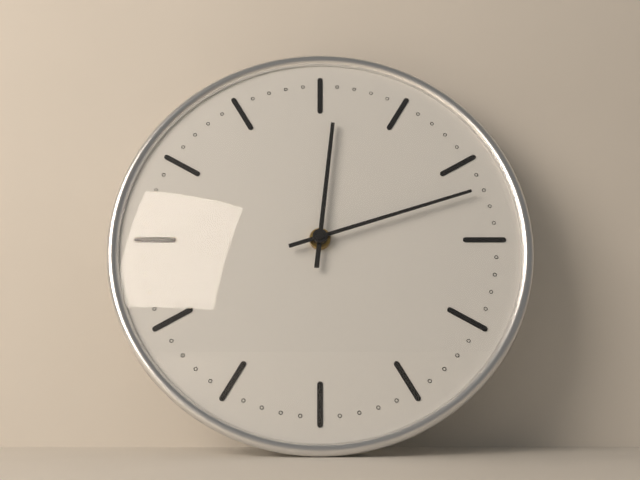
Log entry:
12 h 12 min
